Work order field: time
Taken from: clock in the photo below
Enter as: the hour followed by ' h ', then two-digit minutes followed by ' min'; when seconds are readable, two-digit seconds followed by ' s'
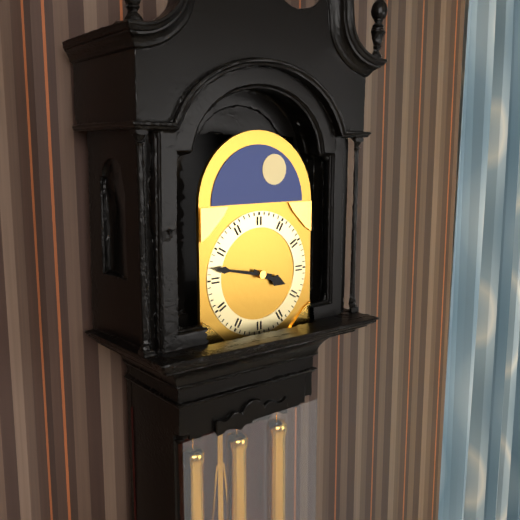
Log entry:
3 h 47 min
